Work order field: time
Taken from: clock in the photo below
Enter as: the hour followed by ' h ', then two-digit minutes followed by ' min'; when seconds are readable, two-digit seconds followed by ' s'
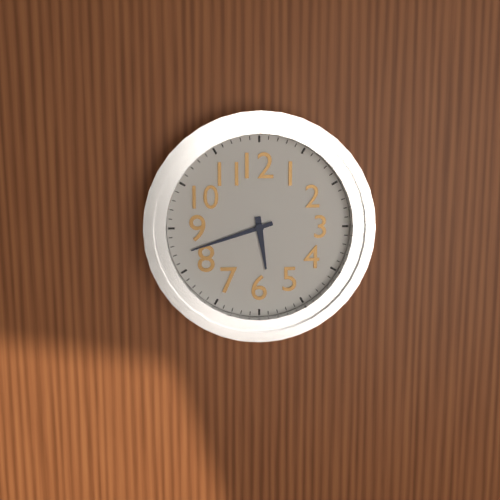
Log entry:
5 h 42 min
